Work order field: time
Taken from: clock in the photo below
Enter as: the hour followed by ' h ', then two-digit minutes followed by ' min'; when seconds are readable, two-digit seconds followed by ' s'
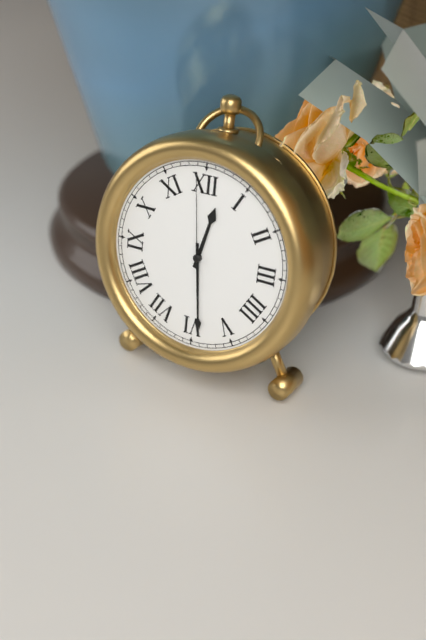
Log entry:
12 h 29 min 59 s
